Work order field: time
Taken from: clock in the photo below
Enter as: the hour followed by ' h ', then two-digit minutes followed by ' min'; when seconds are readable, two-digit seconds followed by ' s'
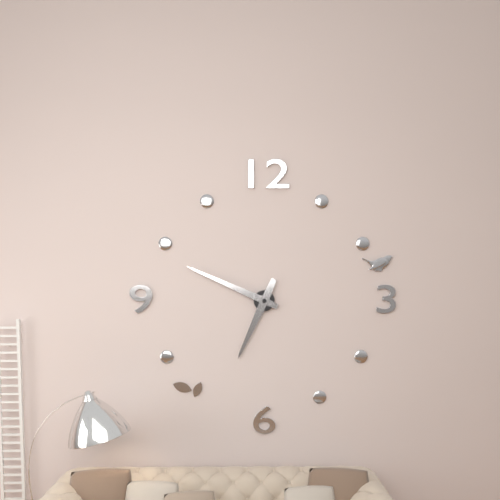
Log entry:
6 h 49 min
